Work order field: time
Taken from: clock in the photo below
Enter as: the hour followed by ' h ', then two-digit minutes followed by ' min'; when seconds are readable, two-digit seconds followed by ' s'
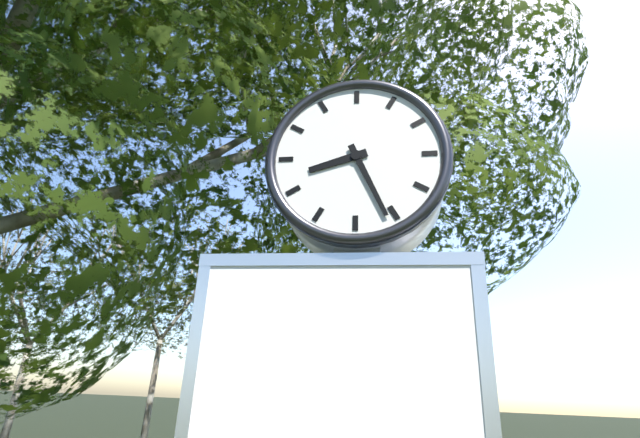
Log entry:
8 h 26 min
